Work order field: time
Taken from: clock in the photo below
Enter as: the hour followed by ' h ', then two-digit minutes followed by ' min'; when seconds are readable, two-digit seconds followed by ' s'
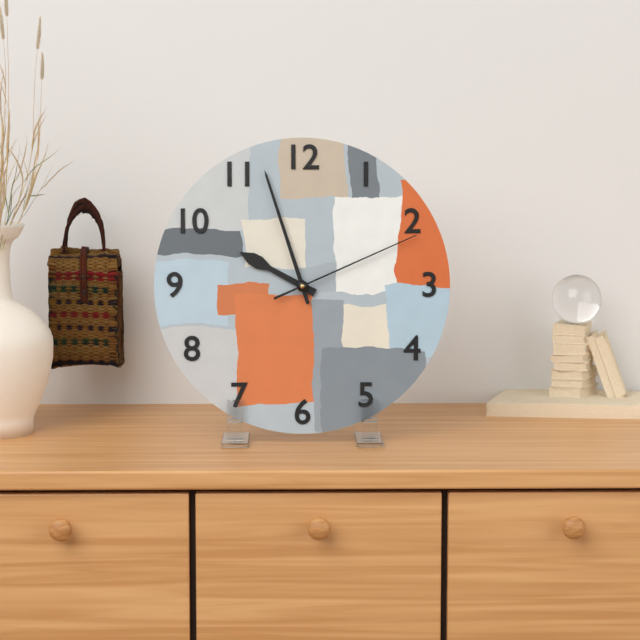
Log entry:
9 h 57 min 11 s
